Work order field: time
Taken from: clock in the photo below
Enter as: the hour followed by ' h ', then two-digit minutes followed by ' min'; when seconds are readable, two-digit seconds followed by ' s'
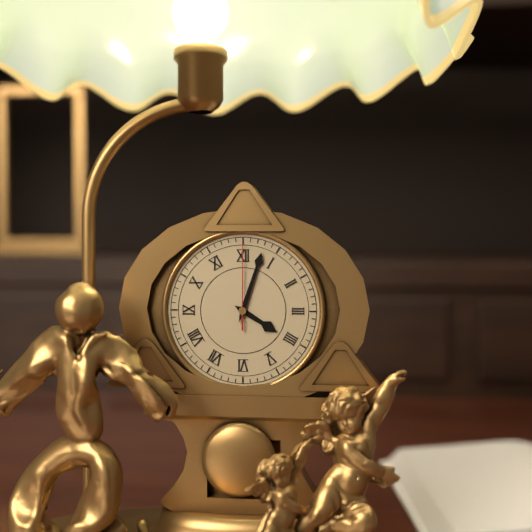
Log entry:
4 h 03 min 00 s
